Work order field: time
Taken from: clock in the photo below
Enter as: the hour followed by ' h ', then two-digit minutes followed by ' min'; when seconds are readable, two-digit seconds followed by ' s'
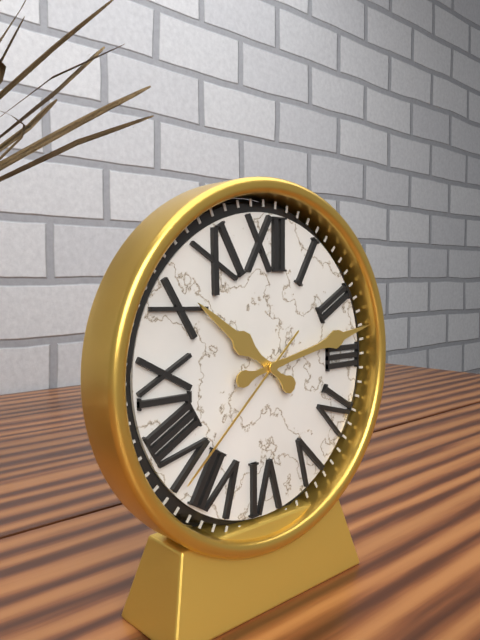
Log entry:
10 h 13 min 38 s
